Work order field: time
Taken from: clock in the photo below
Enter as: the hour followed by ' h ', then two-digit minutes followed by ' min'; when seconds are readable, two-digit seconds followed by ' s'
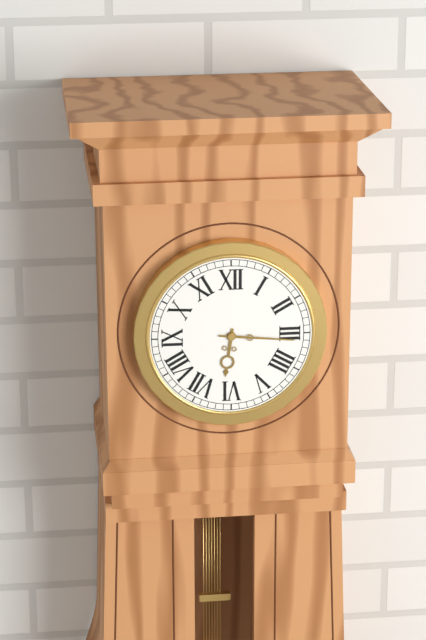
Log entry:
6 h 16 min
